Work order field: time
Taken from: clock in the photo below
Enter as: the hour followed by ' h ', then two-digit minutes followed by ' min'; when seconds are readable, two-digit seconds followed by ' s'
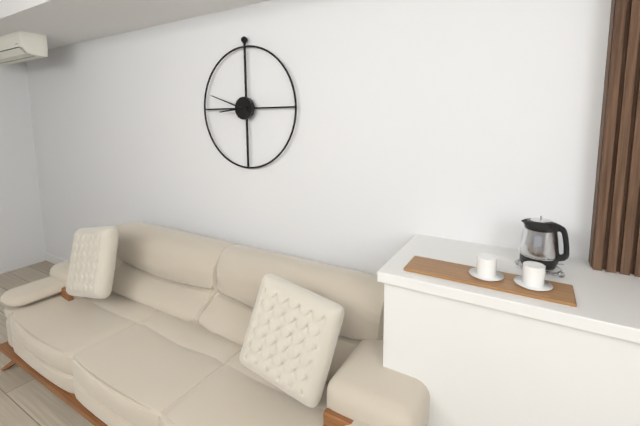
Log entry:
8 h 48 min
